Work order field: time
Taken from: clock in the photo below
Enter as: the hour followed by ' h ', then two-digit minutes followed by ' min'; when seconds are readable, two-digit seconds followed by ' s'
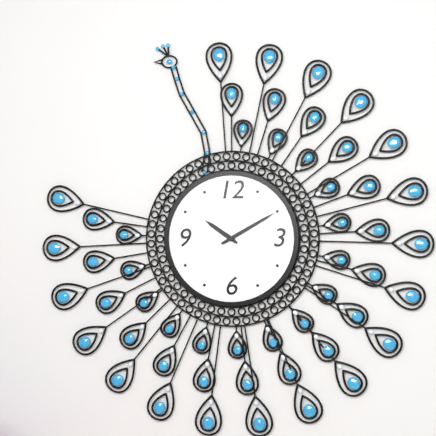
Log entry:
10 h 10 min
